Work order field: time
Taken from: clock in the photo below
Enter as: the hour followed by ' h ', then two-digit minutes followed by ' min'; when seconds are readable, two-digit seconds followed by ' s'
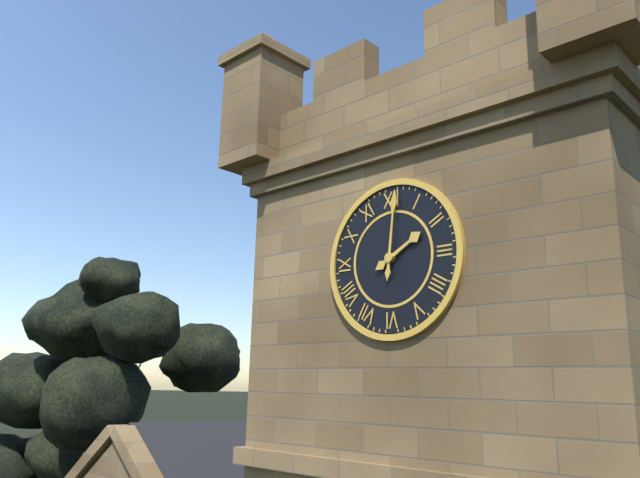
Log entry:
2 h 01 min
